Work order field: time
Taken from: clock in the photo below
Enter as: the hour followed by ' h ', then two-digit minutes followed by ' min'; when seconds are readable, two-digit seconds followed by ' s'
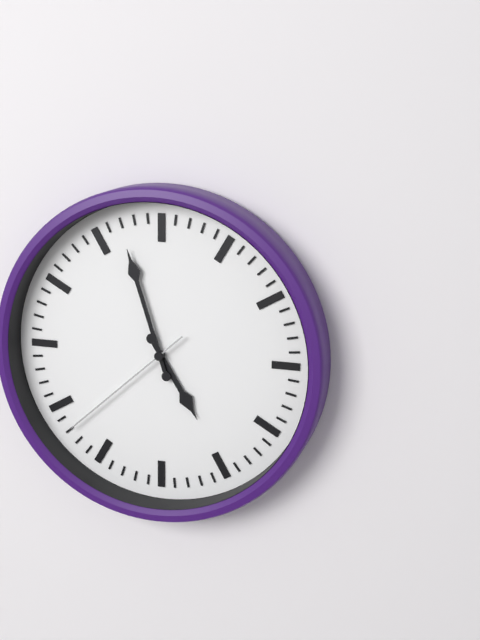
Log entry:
4 h 57 min 38 s
